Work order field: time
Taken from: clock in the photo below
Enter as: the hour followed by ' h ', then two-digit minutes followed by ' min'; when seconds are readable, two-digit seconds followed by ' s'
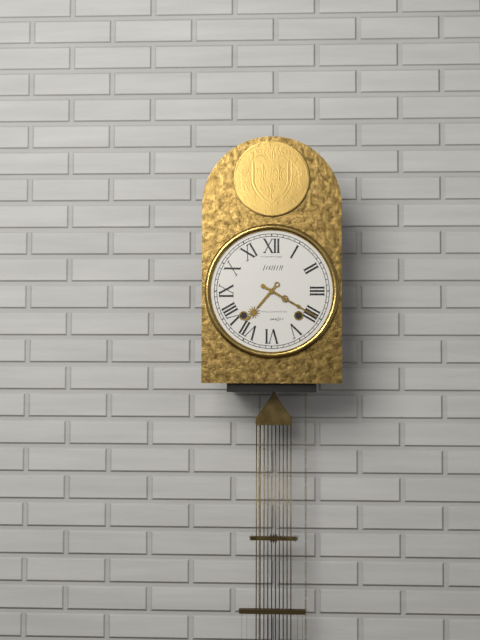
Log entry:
7 h 20 min
